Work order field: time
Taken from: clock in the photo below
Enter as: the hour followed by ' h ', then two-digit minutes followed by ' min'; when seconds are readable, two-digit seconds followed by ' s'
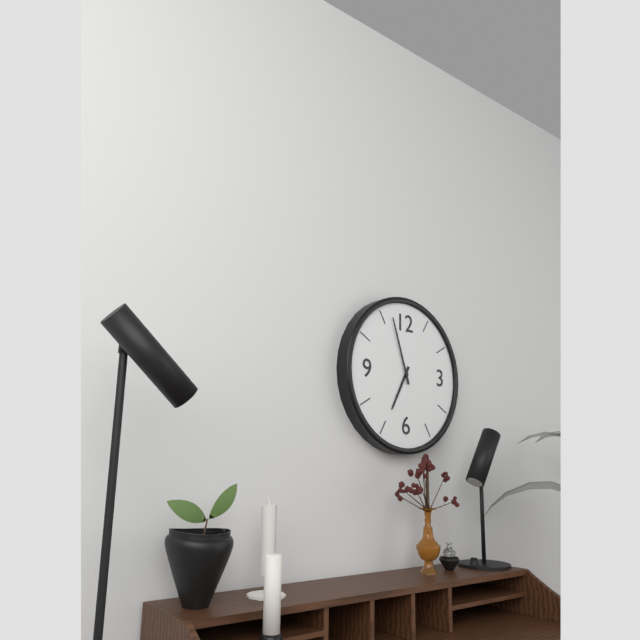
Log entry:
6 h 57 min
